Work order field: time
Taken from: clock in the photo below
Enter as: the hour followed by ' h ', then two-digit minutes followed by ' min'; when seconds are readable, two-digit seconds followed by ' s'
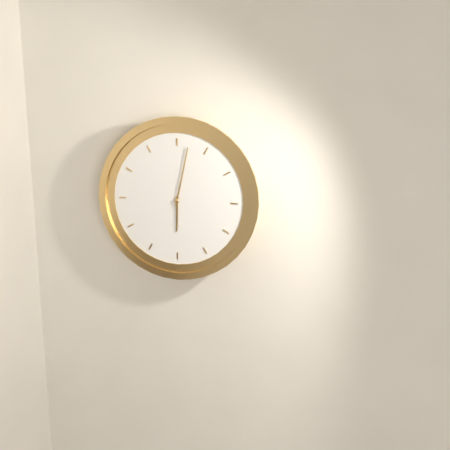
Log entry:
6 h 02 min
